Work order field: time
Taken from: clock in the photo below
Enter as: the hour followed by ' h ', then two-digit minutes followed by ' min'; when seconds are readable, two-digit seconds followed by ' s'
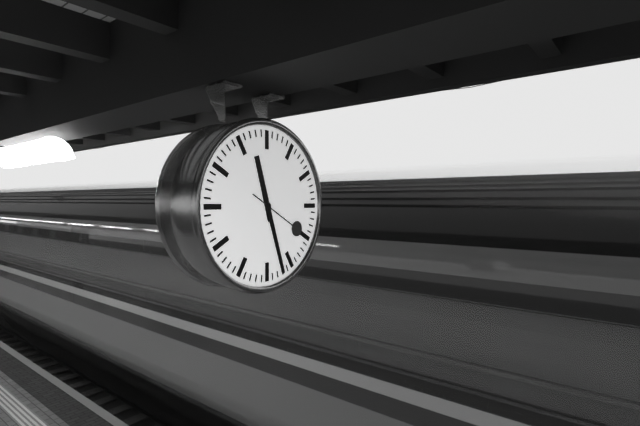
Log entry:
11 h 27 min 20 s
